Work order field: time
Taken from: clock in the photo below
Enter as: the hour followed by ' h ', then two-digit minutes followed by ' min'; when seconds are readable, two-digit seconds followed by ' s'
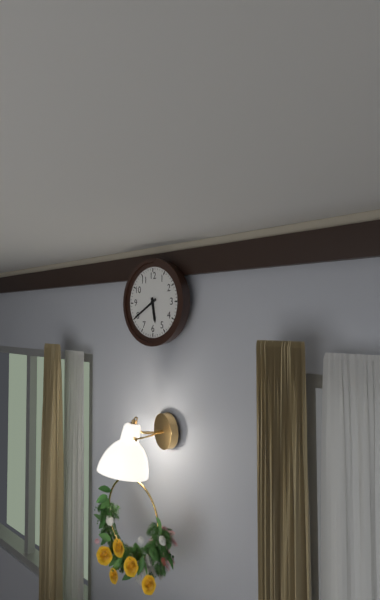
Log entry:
5 h 40 min
